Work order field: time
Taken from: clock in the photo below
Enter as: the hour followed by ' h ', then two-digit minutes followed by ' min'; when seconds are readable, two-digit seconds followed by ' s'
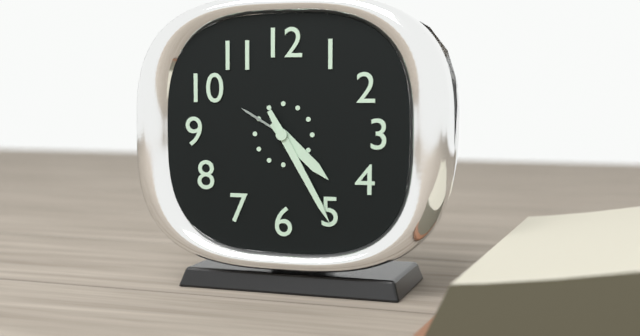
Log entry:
4 h 25 min
